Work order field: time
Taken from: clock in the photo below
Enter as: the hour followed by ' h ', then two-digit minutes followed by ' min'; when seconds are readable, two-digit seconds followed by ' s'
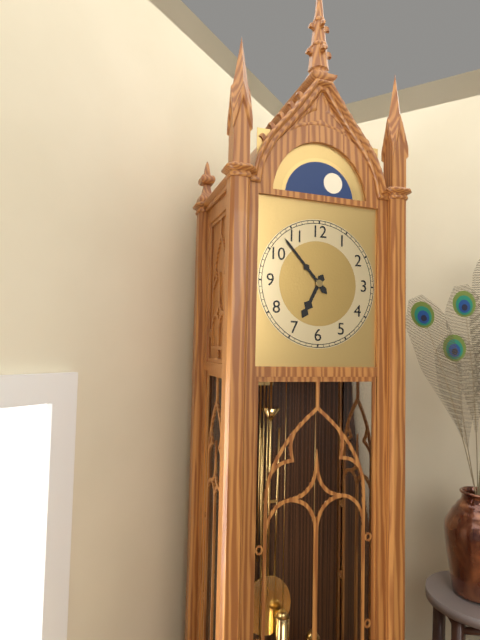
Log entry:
6 h 53 min
